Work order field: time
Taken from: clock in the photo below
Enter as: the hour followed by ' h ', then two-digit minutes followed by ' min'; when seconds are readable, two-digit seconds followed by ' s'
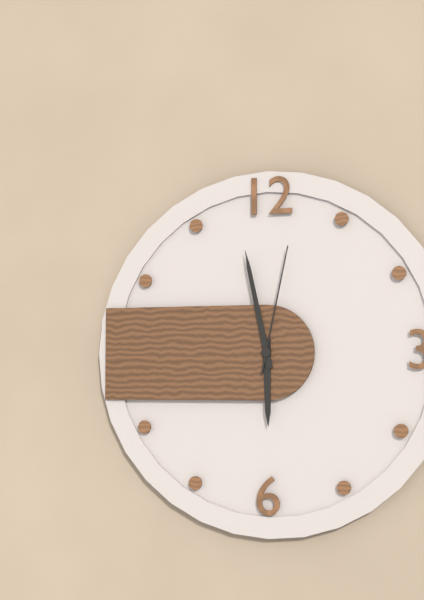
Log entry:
5 h 58 min 02 s
